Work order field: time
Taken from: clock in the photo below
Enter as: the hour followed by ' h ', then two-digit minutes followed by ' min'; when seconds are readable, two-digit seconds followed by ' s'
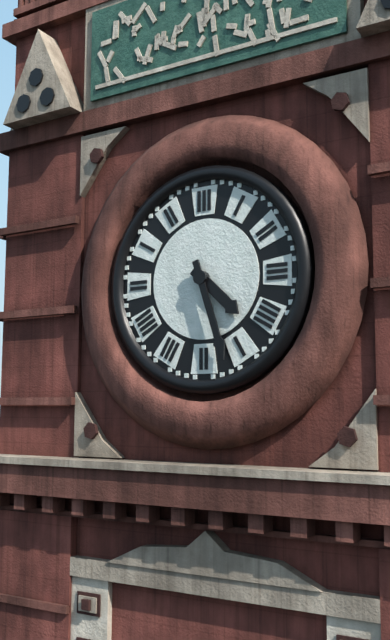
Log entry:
4 h 27 min
